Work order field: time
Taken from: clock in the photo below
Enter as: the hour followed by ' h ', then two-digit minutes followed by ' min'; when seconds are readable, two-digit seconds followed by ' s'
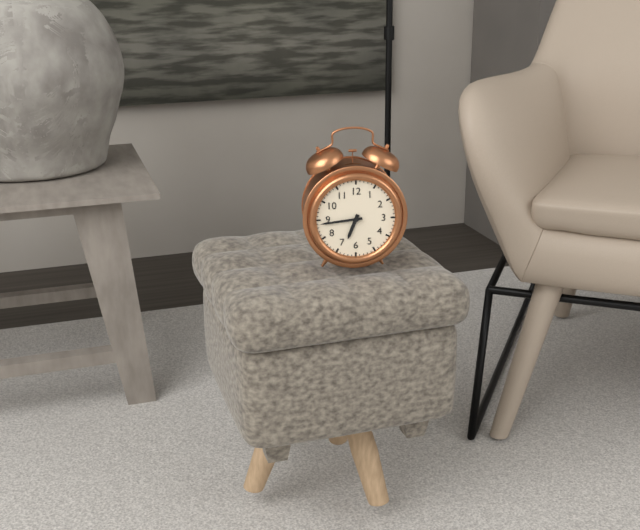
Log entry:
6 h 44 min
